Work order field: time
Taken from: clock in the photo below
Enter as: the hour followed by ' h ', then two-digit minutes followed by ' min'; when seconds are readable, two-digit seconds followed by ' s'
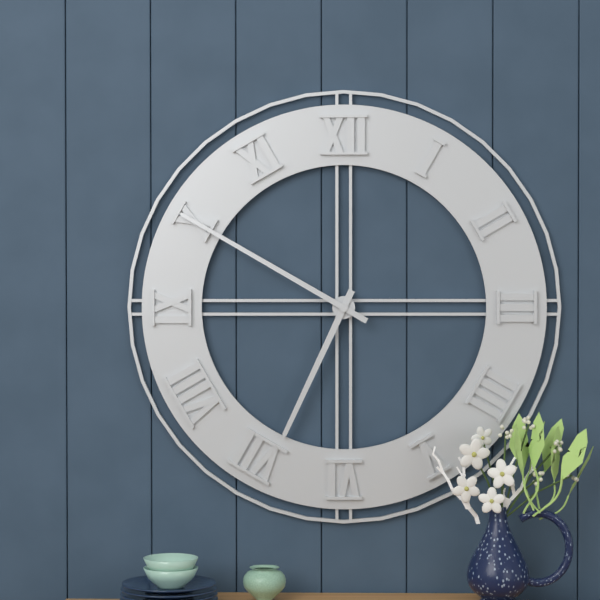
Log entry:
6 h 50 min
